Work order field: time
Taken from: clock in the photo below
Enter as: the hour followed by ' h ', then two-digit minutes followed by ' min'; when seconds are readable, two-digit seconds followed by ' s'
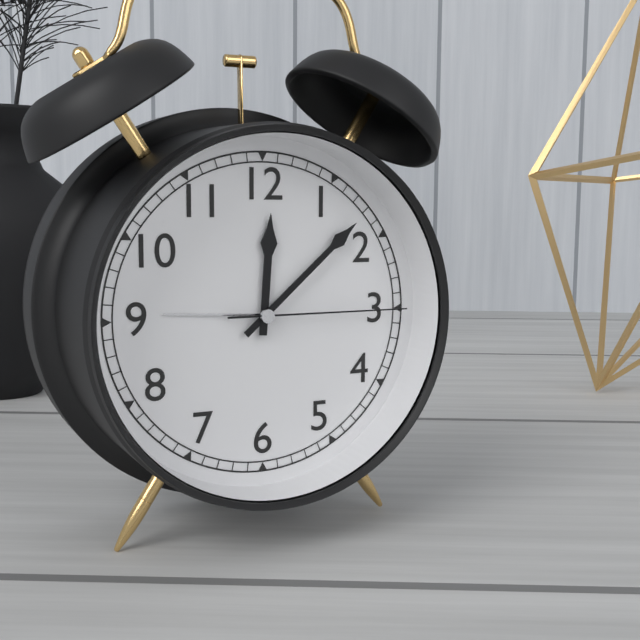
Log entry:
12 h 08 min 15 s
